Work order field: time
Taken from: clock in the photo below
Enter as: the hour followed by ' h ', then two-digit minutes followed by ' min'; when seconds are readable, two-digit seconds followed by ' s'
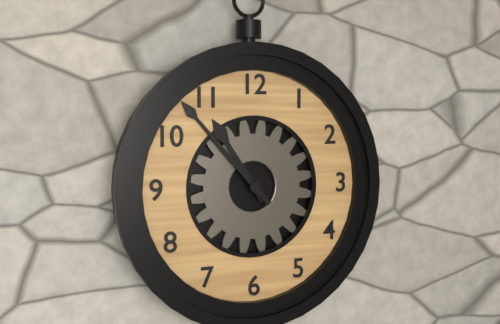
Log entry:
10 h 53 min
